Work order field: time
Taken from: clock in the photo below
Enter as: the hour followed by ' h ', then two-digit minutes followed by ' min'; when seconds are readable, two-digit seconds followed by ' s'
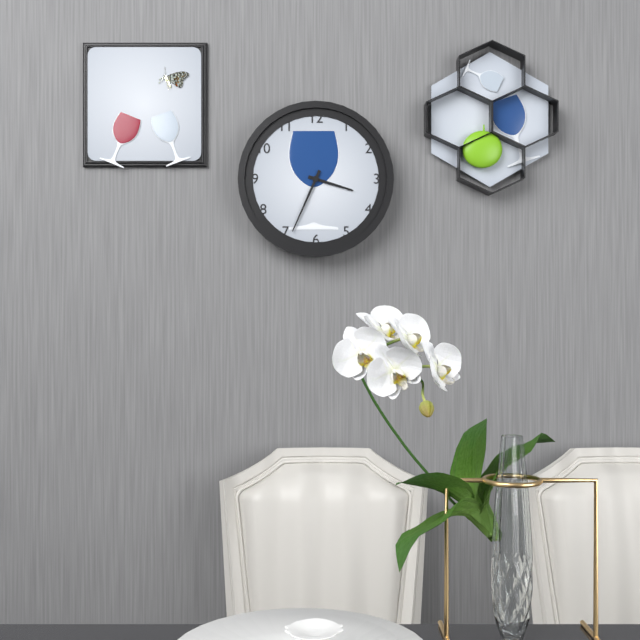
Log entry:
3 h 34 min
